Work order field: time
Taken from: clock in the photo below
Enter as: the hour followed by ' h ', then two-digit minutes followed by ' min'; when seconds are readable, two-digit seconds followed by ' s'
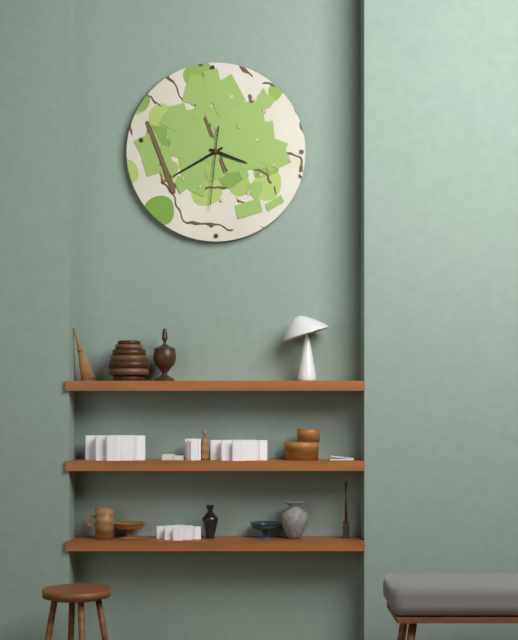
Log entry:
3 h 40 min 31 s
